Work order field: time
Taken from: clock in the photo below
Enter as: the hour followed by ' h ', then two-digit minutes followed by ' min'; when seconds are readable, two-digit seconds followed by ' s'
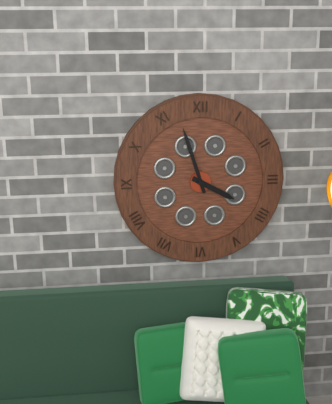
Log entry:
3 h 57 min
